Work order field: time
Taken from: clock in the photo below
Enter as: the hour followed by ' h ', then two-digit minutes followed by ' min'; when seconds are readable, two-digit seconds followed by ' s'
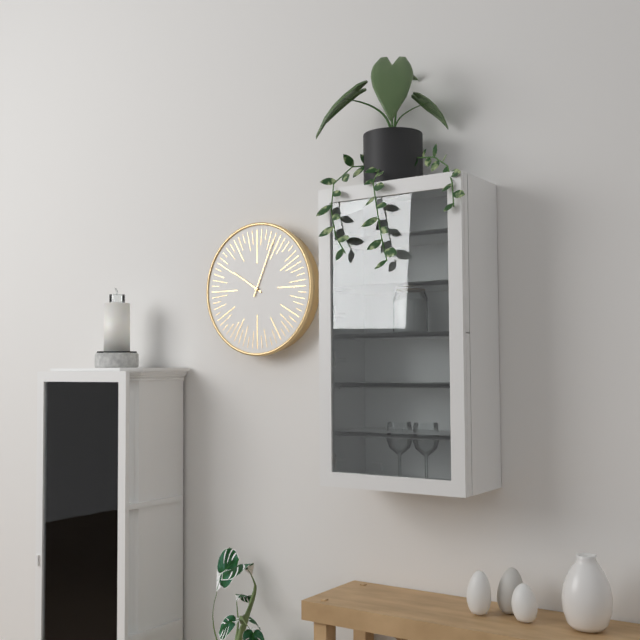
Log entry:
10 h 04 min
